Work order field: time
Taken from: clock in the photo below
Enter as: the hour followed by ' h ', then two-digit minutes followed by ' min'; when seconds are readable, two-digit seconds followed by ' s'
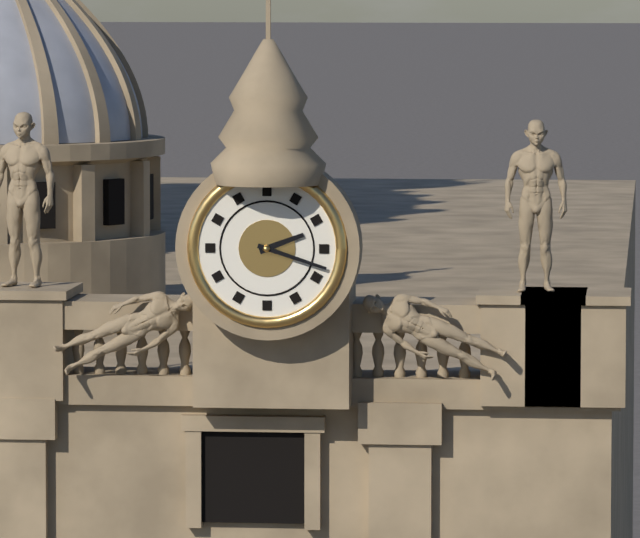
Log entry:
2 h 18 min
